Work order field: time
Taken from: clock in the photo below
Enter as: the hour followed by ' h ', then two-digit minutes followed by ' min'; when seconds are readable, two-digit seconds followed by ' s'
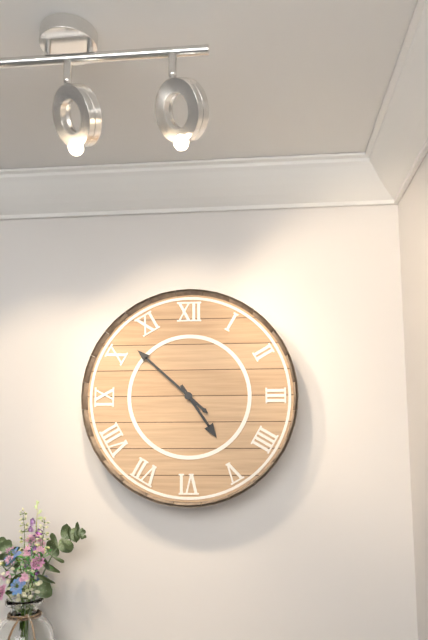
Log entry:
4 h 52 min
